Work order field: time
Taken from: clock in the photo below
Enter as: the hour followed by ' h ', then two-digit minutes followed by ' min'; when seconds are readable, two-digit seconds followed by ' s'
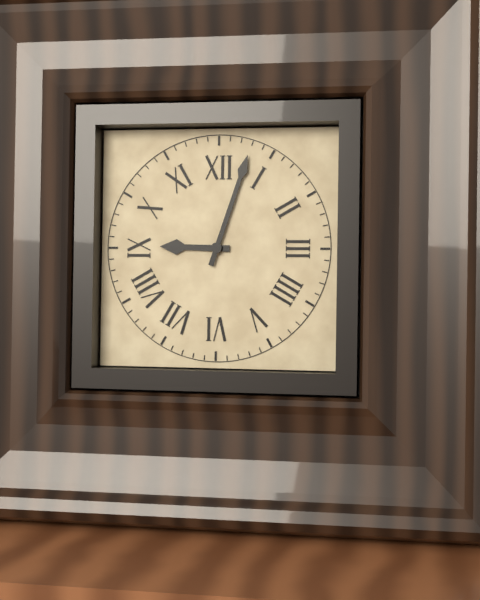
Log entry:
9 h 03 min
